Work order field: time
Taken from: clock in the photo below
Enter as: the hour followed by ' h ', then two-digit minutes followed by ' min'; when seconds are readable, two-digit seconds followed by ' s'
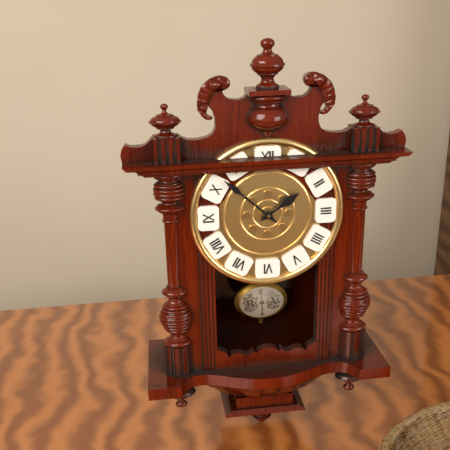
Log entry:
1 h 52 min
